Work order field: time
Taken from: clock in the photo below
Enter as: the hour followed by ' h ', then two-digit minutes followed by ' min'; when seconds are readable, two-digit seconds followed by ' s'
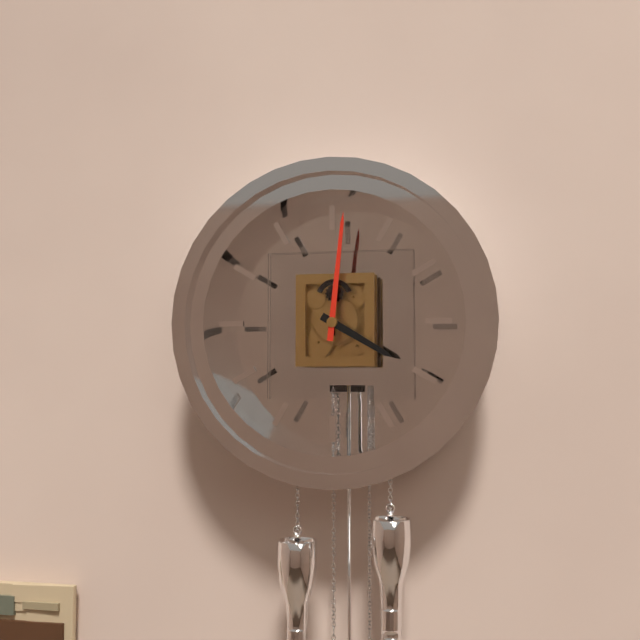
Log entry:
4 h 01 min
